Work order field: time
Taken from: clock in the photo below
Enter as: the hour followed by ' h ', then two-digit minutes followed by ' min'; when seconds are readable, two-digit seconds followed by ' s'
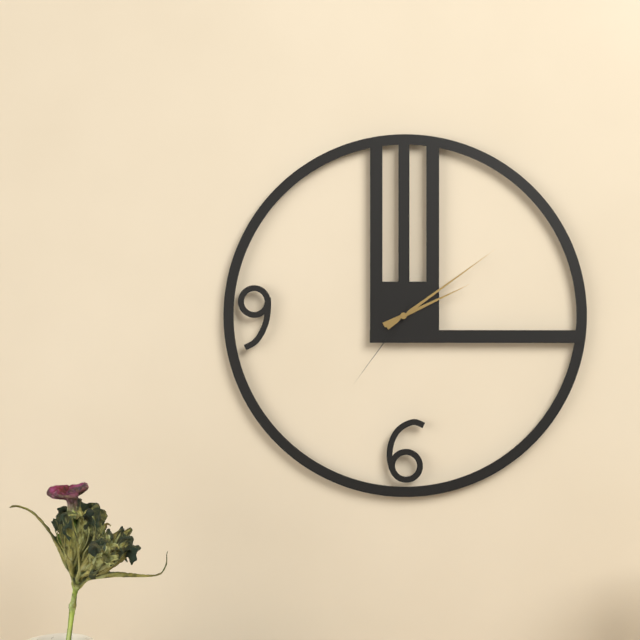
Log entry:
2 h 09 min 36 s
